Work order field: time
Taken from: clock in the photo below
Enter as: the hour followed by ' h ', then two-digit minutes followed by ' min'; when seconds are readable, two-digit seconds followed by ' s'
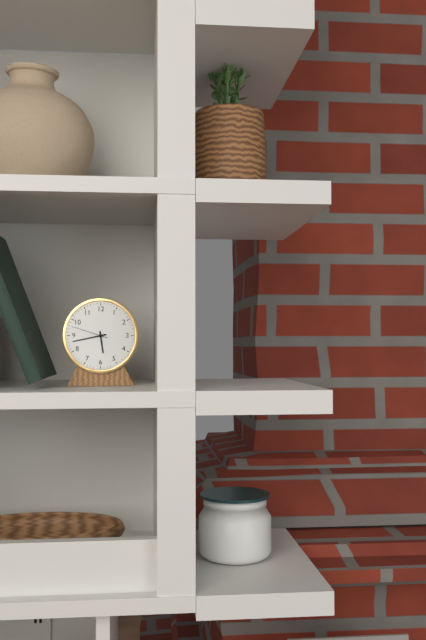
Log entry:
5 h 43 min
